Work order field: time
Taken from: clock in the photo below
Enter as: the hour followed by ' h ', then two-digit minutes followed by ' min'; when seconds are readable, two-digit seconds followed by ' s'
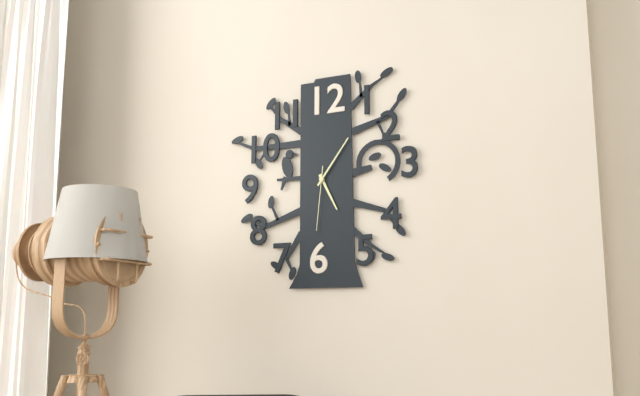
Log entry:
5 h 06 min 31 s
